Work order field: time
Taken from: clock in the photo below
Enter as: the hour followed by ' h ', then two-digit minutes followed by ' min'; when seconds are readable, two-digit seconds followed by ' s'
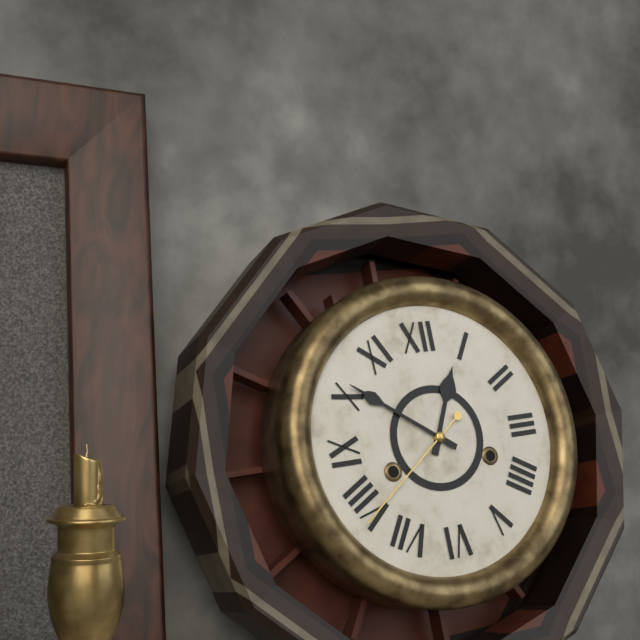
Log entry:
12 h 51 min 39 s
